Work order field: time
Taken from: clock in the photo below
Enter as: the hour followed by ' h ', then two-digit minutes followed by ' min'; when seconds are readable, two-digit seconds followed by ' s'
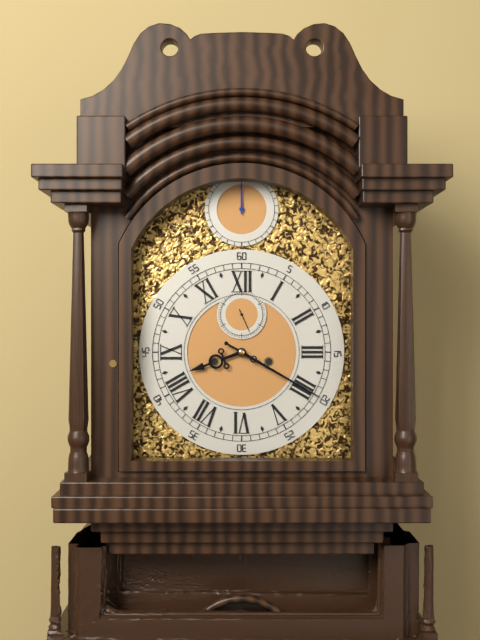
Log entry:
8 h 20 min
